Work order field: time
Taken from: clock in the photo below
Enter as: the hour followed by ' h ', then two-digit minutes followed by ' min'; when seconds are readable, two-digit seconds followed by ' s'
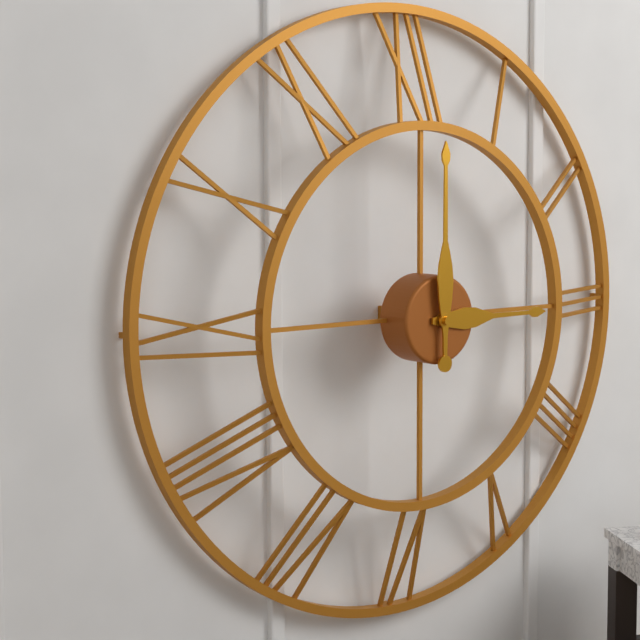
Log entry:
3 h 00 min
